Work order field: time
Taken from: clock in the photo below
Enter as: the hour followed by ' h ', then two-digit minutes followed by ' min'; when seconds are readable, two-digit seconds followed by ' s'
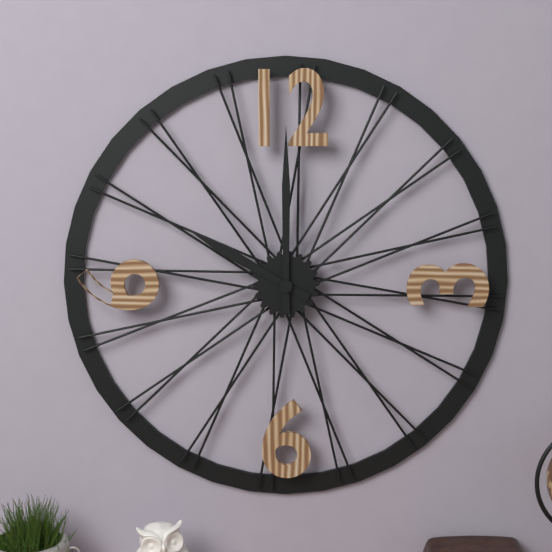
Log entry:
10 h 00 min
